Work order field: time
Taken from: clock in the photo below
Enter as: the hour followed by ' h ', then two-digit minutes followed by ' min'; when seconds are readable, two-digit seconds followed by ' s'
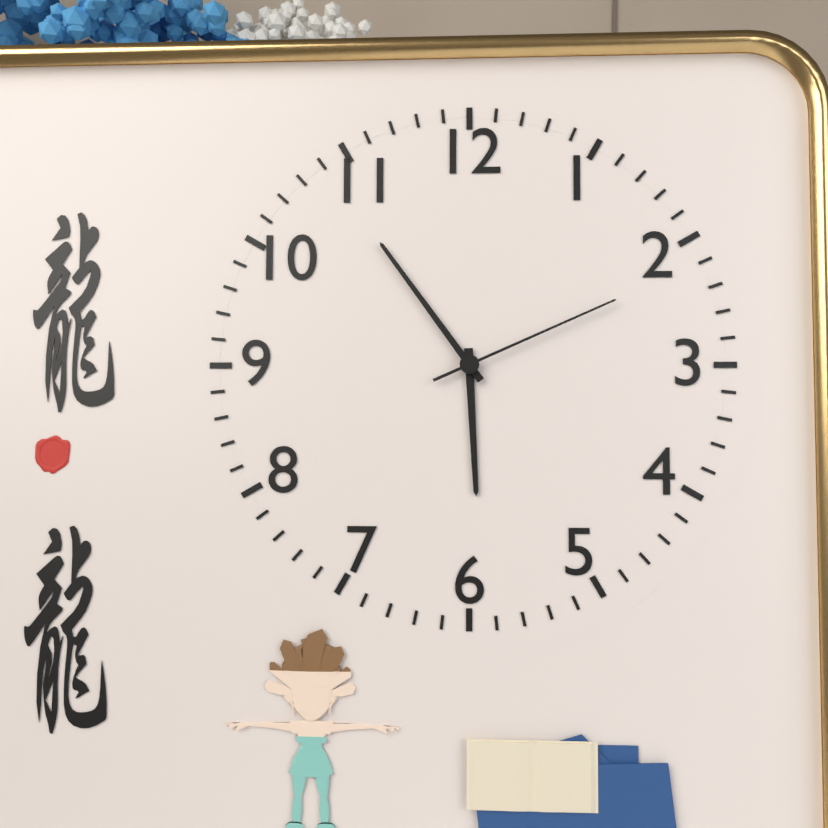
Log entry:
5 h 54 min 11 s
